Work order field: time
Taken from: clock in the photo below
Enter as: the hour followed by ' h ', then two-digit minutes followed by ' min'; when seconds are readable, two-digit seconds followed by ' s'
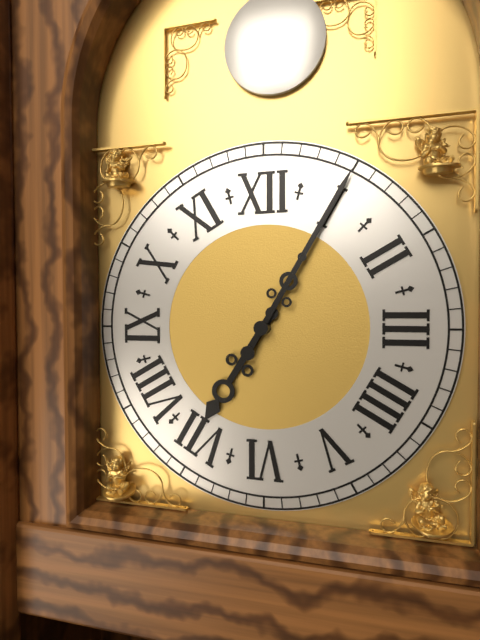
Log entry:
7 h 05 min
